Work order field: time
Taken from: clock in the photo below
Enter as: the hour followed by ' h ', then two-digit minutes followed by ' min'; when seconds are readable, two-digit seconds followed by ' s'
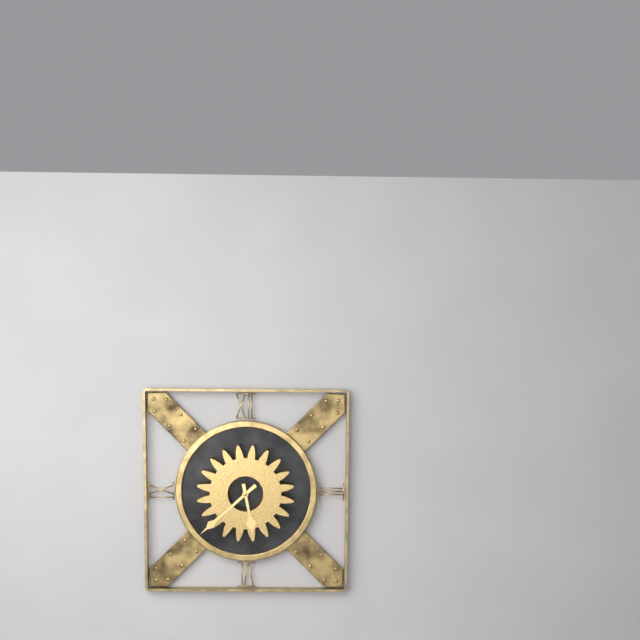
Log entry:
5 h 38 min
